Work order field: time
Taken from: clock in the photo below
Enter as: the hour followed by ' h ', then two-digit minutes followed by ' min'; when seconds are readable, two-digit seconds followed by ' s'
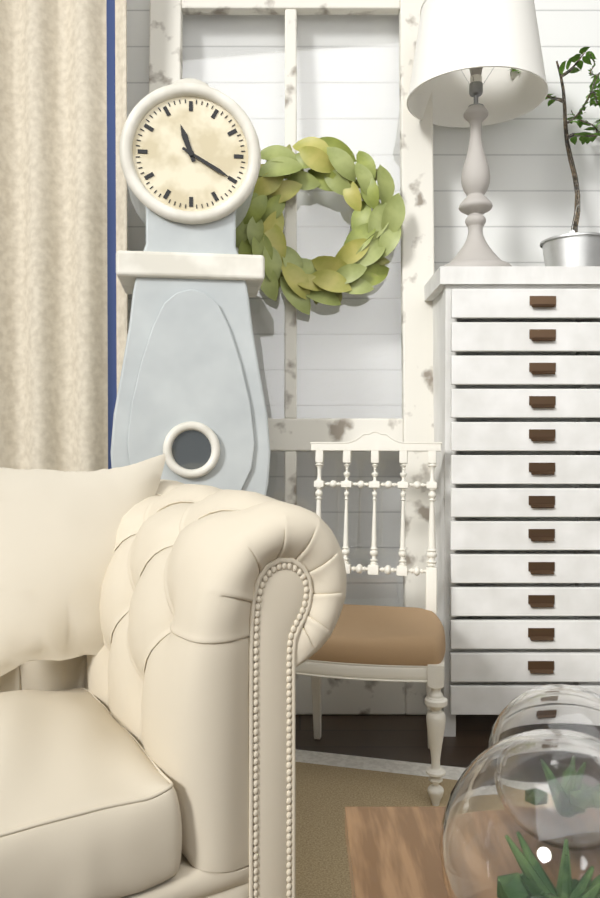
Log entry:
11 h 20 min
